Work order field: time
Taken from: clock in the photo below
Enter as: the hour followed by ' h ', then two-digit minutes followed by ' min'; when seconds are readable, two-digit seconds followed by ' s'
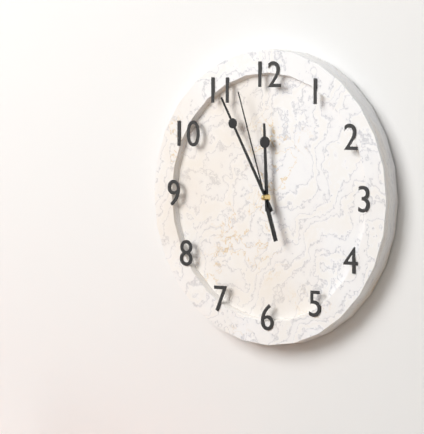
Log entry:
11 h 55 min 57 s
